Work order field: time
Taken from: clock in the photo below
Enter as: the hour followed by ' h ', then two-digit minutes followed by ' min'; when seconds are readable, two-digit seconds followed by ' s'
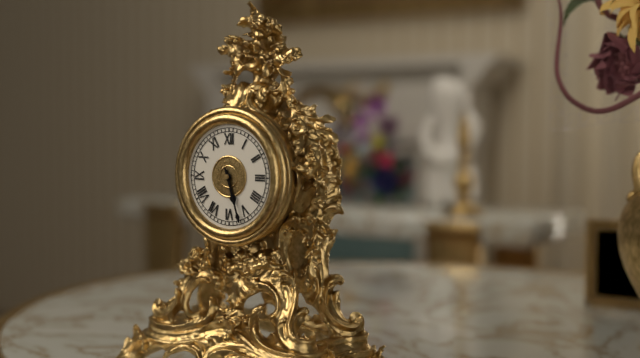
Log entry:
5 h 27 min
